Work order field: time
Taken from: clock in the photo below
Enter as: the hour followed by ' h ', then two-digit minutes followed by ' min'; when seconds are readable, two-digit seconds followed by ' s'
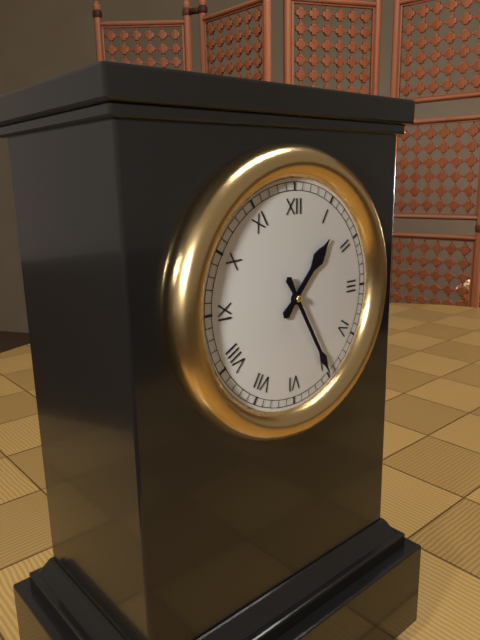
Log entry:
1 h 25 min
